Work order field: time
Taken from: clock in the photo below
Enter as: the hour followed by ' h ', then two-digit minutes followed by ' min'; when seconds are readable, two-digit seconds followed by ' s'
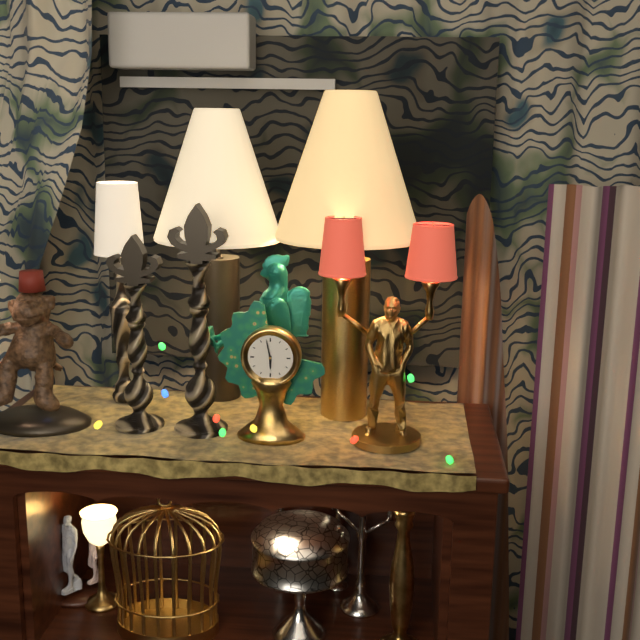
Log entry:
5 h 58 min
